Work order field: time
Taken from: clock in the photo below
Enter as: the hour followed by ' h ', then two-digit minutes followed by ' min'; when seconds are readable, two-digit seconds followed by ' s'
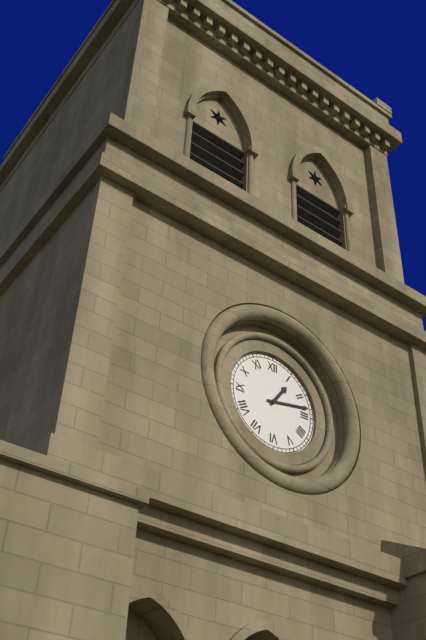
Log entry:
1 h 13 min
